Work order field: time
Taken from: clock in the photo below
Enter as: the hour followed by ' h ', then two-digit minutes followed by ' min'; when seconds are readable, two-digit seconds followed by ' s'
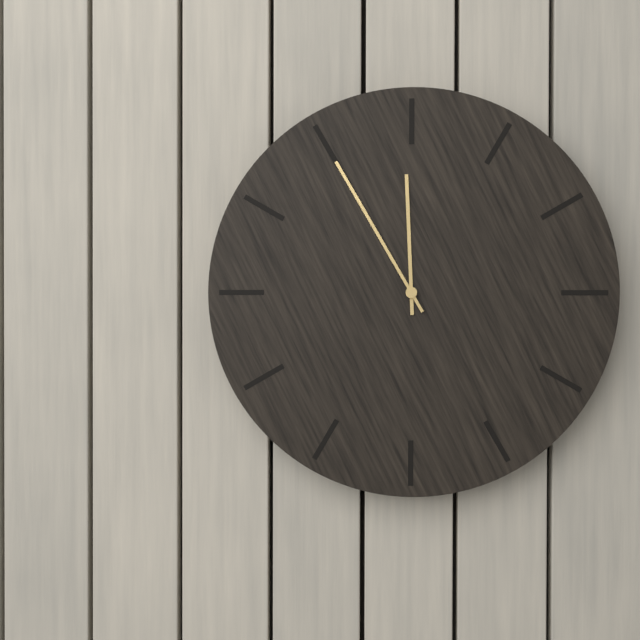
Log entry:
11 h 55 min
